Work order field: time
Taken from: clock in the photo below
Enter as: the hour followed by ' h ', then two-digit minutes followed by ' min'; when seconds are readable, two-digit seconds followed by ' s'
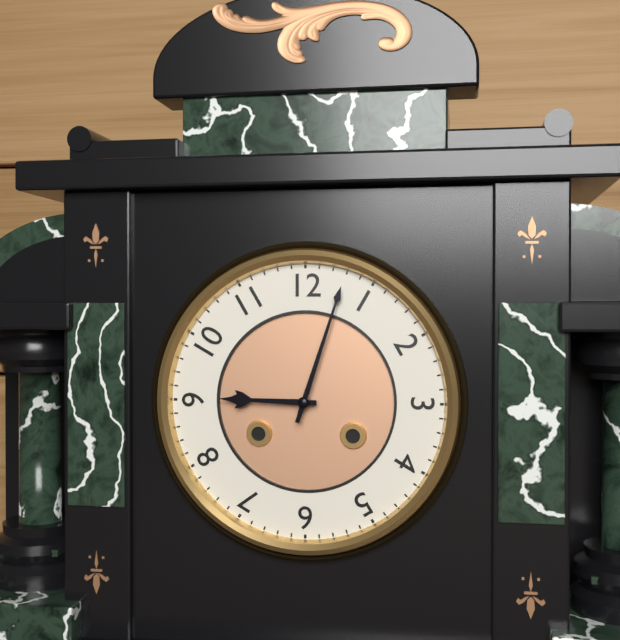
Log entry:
9 h 03 min
